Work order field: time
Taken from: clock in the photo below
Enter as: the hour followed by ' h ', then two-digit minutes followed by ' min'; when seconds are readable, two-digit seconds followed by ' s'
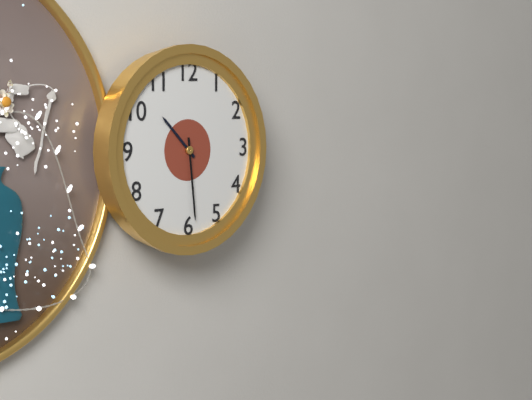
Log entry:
10 h 29 min
